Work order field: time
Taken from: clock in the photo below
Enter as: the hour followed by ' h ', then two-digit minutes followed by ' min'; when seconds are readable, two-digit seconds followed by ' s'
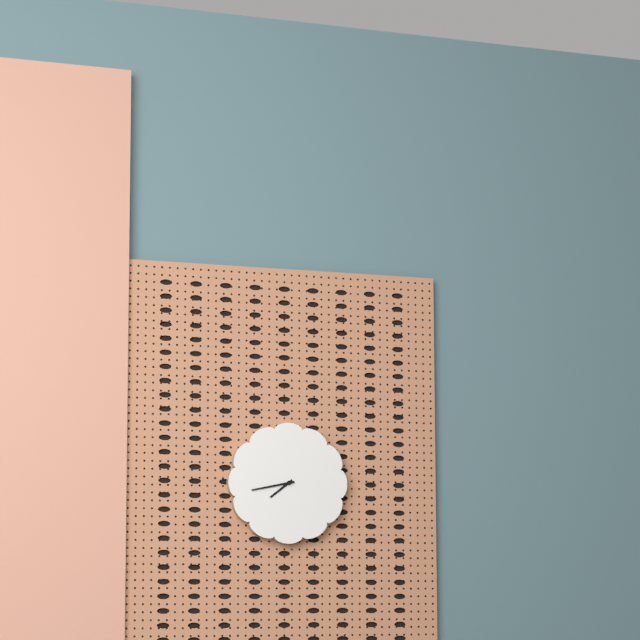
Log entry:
7 h 43 min
